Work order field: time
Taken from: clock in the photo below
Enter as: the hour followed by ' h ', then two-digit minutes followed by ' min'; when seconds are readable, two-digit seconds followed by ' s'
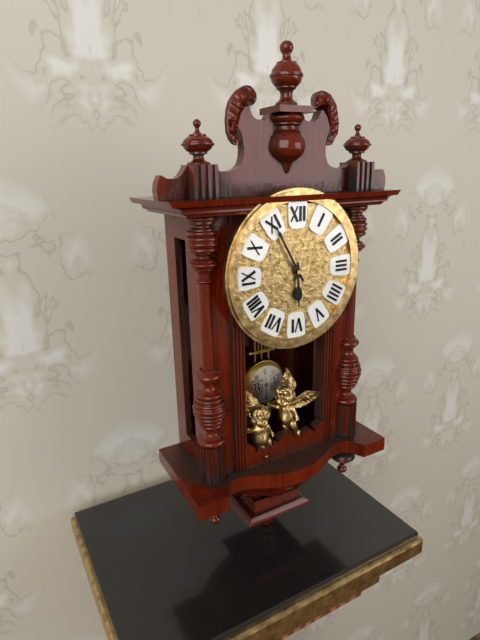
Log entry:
5 h 55 min
